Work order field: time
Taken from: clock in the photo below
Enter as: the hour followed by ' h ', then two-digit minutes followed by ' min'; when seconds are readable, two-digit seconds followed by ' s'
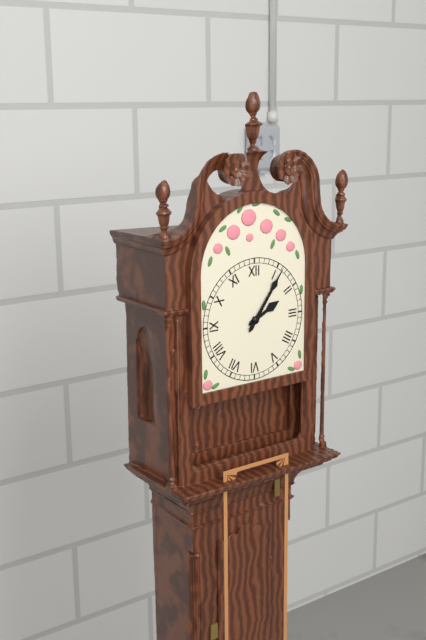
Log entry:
2 h 06 min
